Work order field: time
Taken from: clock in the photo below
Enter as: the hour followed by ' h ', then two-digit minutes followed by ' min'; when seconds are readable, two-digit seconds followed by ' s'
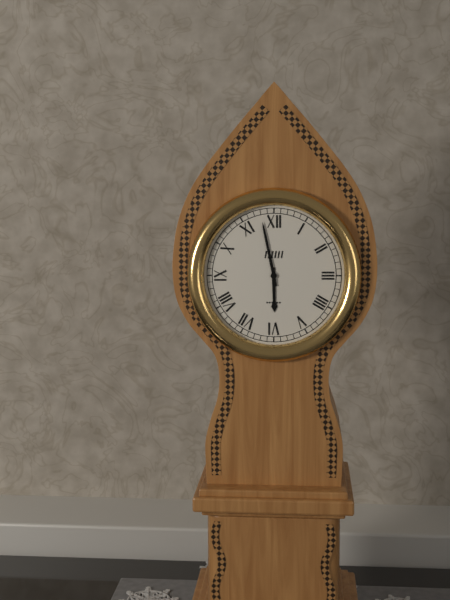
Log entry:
5 h 58 min
